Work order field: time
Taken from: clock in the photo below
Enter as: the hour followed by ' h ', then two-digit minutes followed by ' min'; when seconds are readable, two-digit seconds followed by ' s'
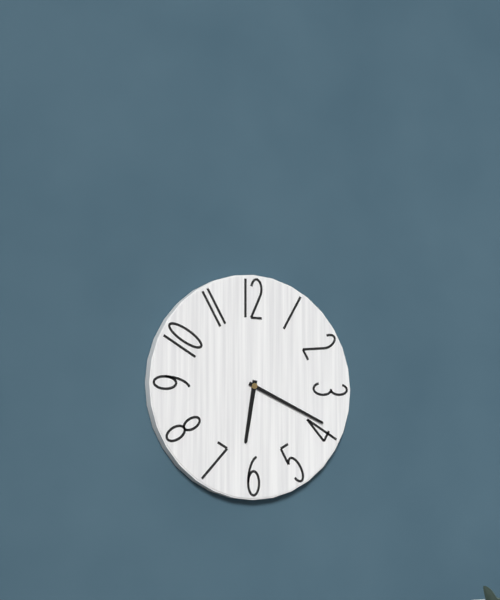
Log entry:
6 h 19 min
